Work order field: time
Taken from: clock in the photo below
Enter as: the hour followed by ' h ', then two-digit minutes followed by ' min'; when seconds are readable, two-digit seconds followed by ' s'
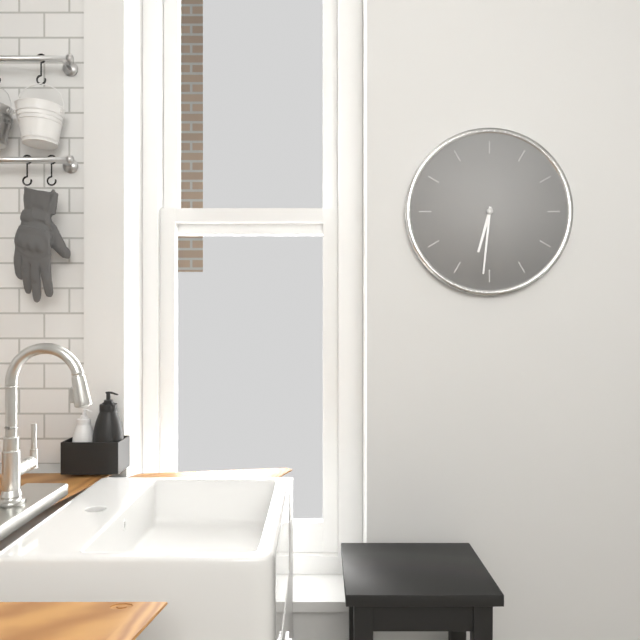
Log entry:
6 h 31 min
